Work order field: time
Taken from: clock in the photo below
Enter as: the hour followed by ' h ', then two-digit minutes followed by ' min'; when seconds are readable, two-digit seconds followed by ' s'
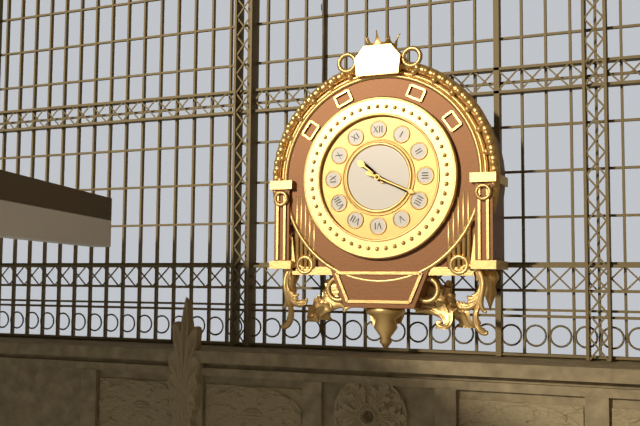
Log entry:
10 h 19 min
